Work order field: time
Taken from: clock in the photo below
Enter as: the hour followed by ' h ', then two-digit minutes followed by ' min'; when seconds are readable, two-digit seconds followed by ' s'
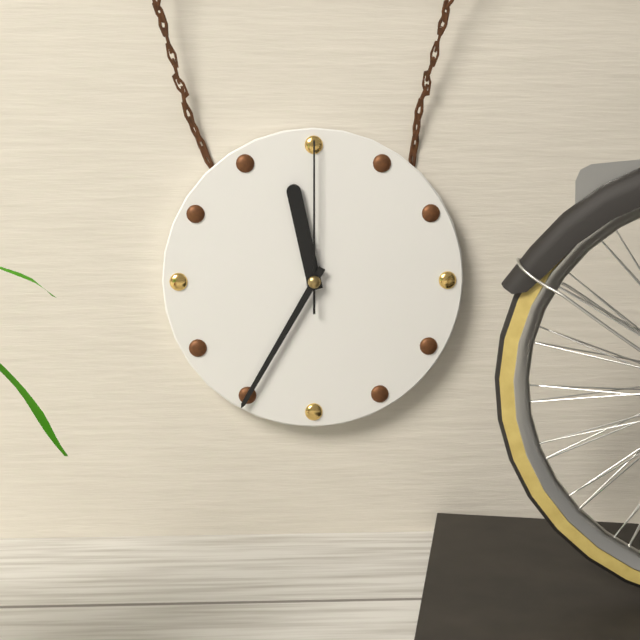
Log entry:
11 h 35 min 00 s
